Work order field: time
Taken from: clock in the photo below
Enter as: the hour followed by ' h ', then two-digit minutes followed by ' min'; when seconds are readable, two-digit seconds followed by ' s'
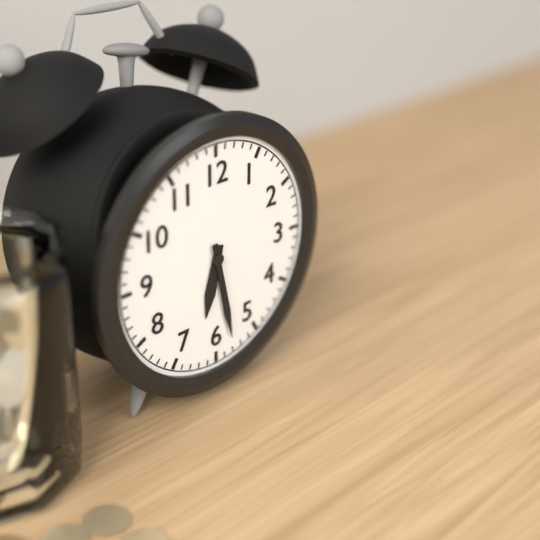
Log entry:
6 h 28 min
